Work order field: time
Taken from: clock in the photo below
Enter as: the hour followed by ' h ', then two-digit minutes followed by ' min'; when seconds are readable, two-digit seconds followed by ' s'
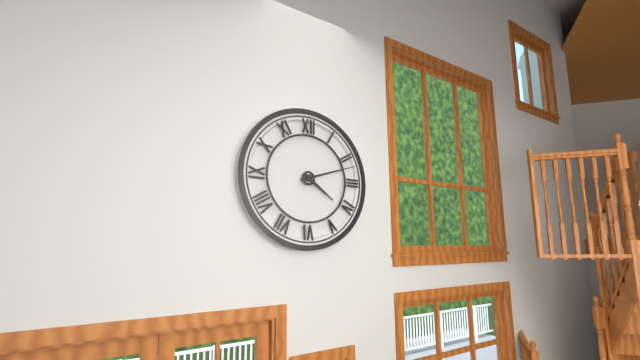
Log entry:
4 h 12 min
